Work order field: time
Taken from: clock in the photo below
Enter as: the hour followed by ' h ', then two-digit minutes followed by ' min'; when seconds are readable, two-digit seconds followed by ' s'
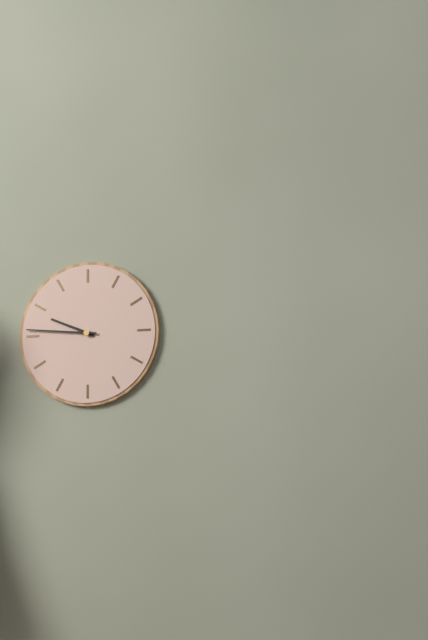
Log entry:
9 h 46 min
